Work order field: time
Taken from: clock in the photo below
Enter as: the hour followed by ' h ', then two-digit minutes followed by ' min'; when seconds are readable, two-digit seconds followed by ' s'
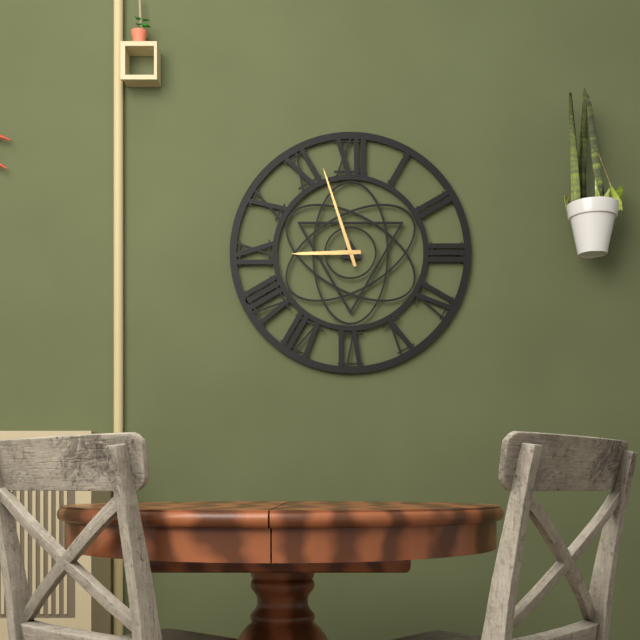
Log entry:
8 h 57 min
